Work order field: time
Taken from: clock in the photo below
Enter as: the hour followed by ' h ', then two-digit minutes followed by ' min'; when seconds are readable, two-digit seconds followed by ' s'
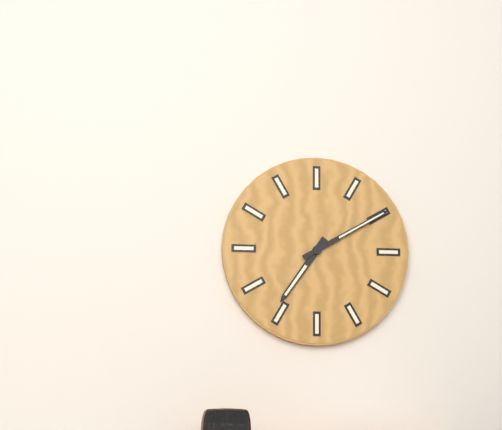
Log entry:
7 h 10 min
